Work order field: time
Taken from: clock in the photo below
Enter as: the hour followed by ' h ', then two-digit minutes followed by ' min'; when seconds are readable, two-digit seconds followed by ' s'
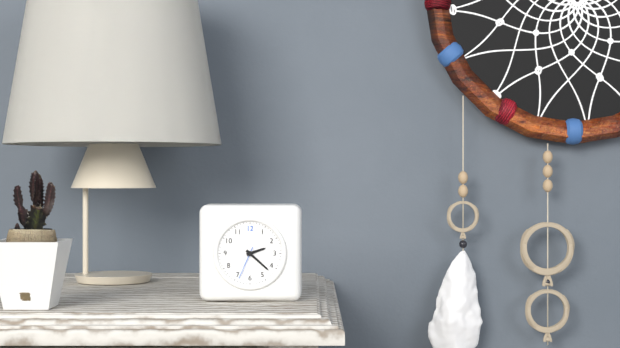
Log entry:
2 h 22 min
